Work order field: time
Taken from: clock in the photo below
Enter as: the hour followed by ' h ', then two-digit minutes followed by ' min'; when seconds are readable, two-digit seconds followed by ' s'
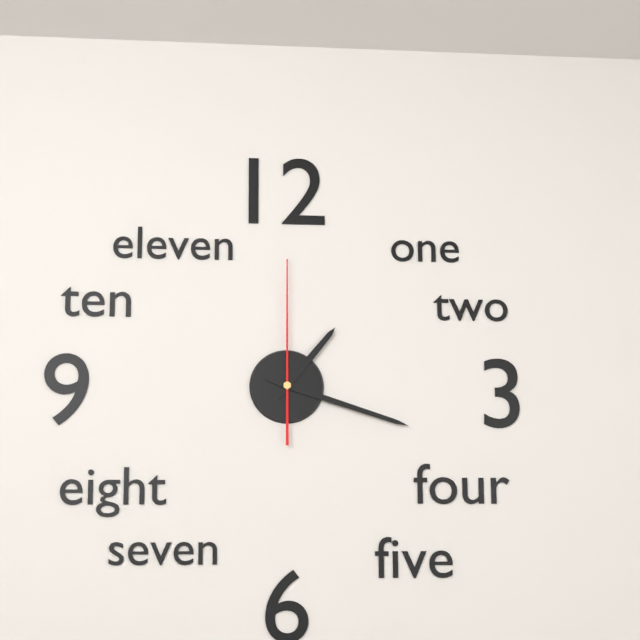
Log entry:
1 h 18 min 00 s
